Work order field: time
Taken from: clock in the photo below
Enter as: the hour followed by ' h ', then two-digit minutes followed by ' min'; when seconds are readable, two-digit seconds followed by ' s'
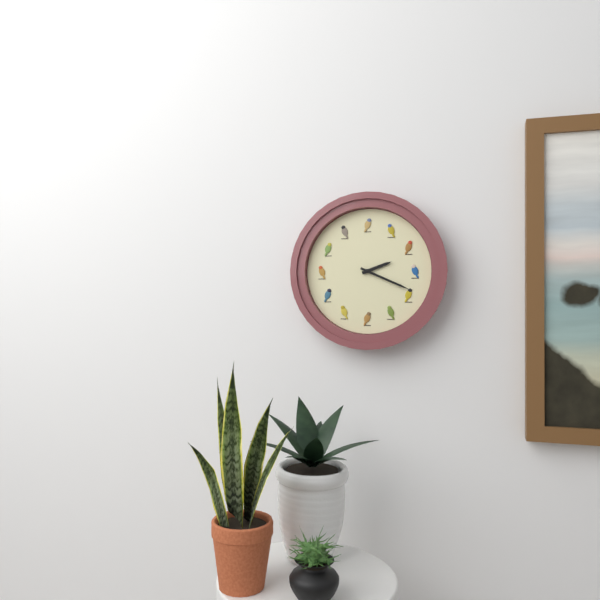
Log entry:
2 h 19 min
